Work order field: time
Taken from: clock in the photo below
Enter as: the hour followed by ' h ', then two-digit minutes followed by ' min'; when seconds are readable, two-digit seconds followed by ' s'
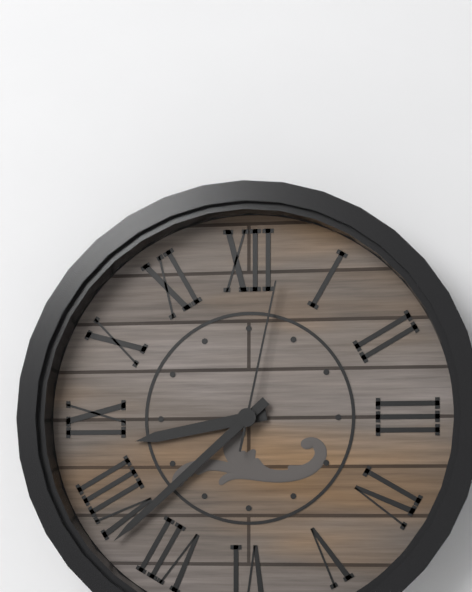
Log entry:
8 h 38 min 02 s
